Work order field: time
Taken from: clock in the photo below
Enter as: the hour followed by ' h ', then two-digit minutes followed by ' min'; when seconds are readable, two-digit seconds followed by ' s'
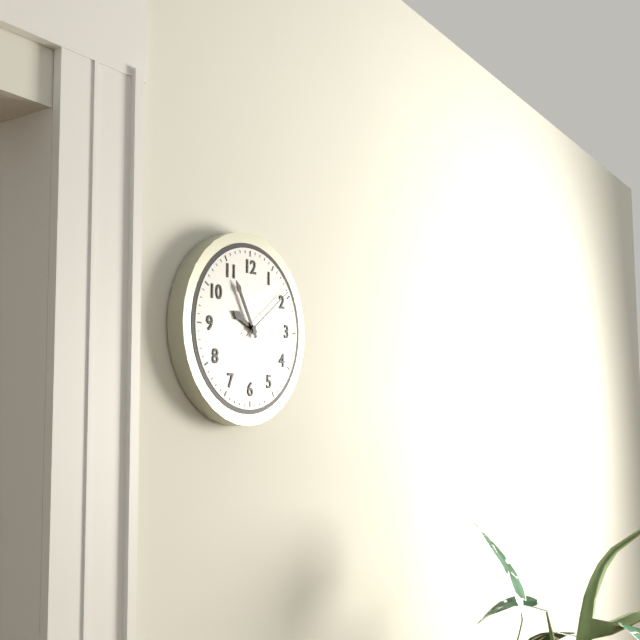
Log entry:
9 h 55 min 09 s
